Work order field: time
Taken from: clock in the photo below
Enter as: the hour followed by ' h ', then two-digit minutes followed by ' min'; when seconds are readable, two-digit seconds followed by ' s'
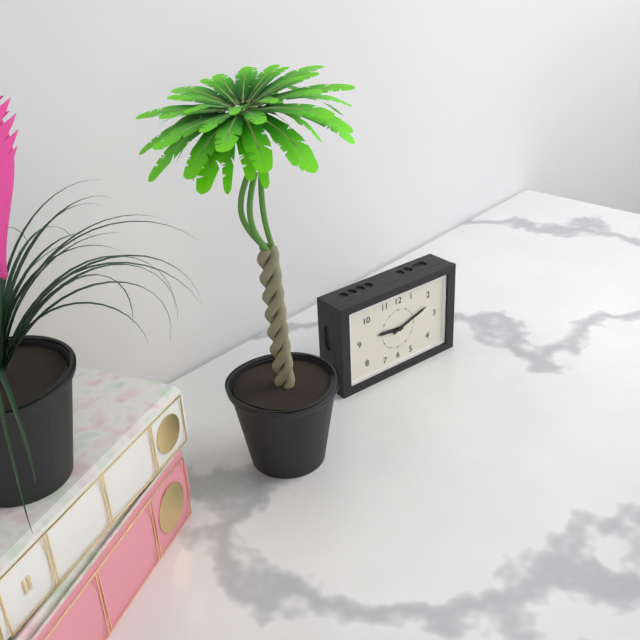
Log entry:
9 h 12 min
